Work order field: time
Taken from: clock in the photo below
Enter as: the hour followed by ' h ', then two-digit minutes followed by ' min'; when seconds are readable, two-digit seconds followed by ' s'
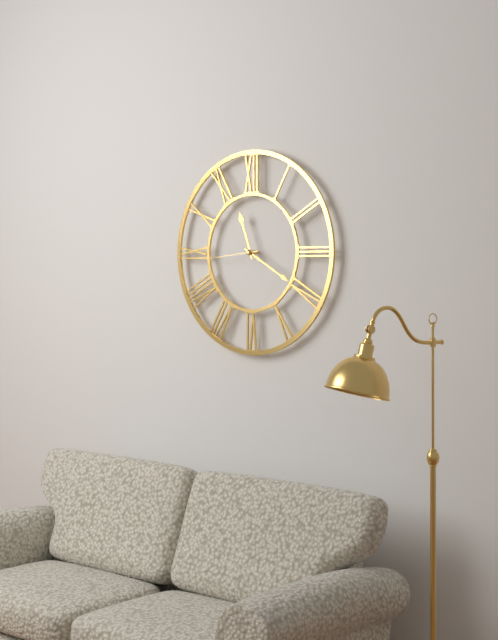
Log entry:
11 h 20 min 44 s
